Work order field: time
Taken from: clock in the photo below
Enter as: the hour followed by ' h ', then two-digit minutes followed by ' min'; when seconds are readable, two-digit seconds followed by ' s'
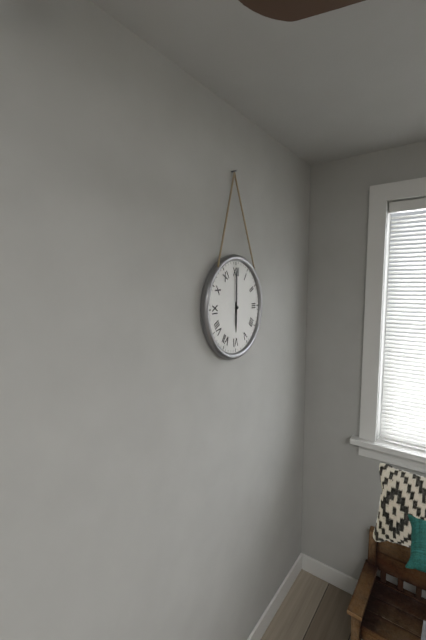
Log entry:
6 h 00 min
